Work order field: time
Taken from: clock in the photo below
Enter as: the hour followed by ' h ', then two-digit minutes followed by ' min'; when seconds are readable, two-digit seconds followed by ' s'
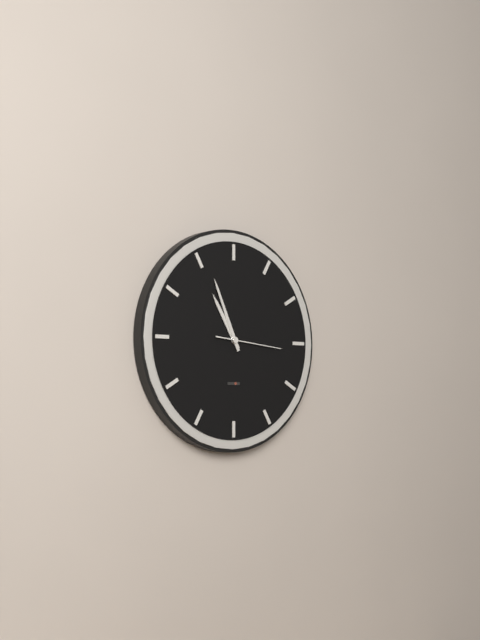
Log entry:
10 h 56 min 16 s
